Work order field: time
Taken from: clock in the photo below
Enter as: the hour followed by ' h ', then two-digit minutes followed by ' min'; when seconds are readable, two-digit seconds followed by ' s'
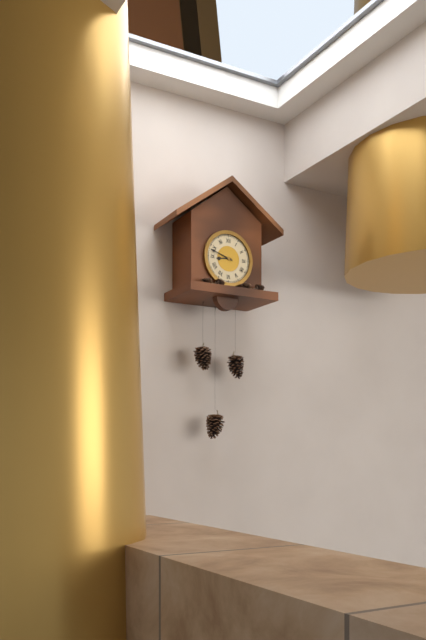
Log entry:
8 h 48 min
